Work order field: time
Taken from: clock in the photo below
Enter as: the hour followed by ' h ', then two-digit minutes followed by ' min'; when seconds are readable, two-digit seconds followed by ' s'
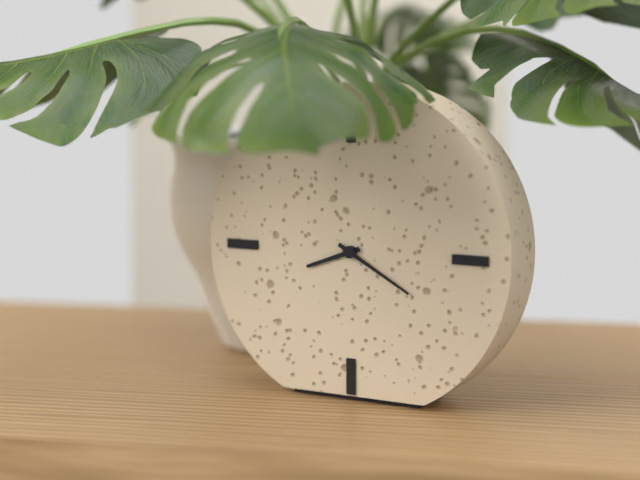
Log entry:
8 h 20 min
